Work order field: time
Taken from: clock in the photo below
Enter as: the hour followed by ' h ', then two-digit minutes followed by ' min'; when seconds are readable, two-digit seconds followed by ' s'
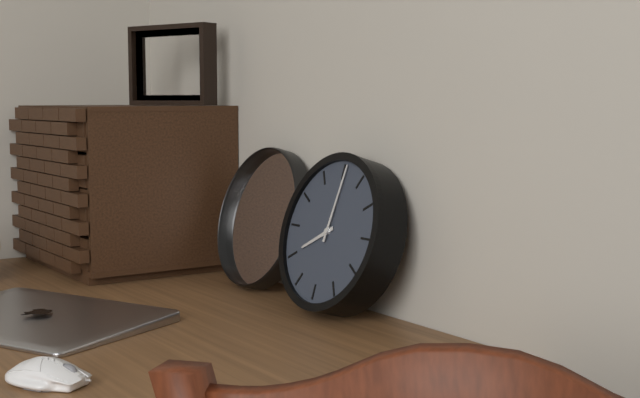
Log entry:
8 h 01 min
